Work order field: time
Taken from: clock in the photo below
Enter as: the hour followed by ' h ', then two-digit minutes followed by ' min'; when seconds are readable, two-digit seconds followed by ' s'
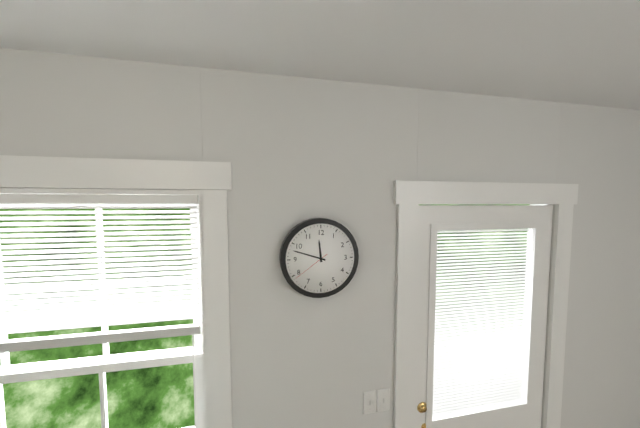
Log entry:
11 h 48 min
